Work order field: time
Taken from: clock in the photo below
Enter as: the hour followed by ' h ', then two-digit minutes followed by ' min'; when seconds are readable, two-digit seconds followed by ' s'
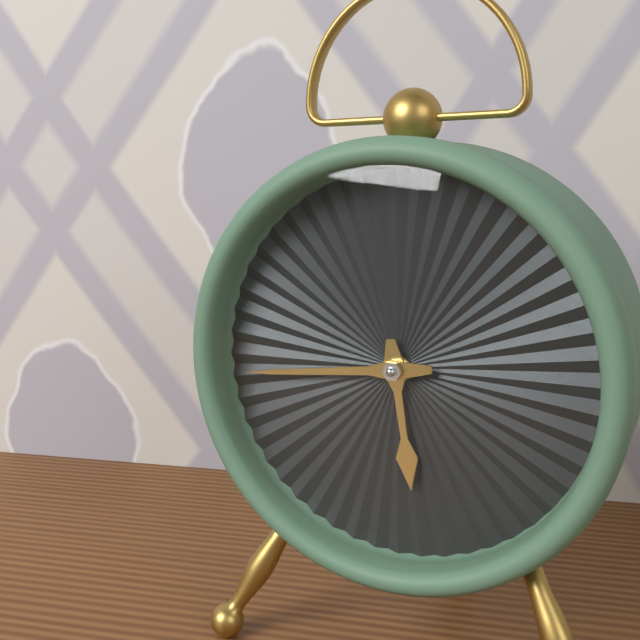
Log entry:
5 h 44 min
